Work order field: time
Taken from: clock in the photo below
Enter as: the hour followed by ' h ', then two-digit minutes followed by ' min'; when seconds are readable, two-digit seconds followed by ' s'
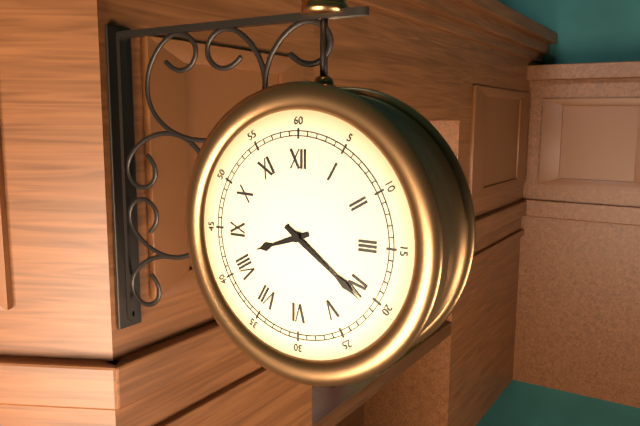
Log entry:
8 h 21 min
